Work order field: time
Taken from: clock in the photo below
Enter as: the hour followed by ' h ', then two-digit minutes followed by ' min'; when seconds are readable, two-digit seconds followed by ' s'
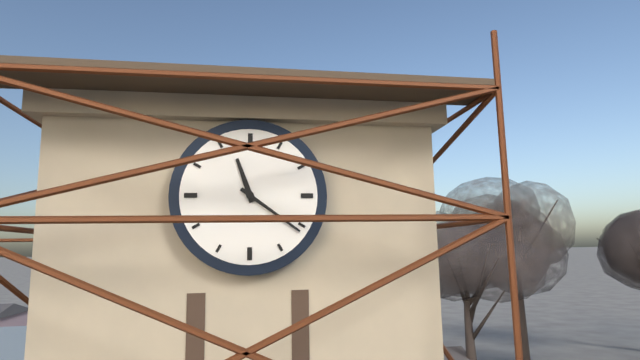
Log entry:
11 h 21 min
